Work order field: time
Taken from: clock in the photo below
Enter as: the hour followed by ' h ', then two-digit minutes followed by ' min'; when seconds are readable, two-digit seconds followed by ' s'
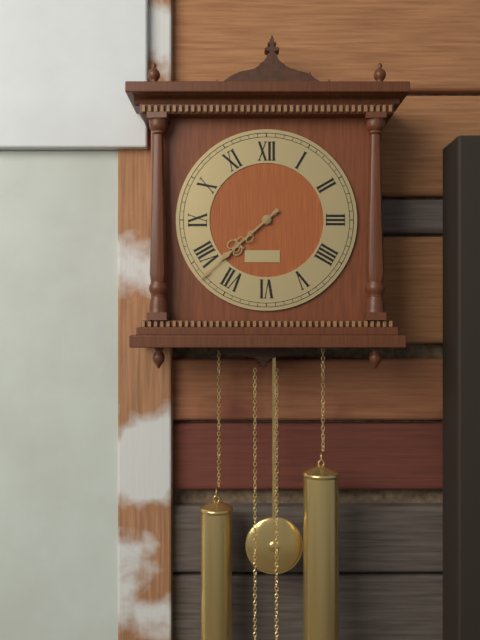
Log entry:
7 h 38 min
